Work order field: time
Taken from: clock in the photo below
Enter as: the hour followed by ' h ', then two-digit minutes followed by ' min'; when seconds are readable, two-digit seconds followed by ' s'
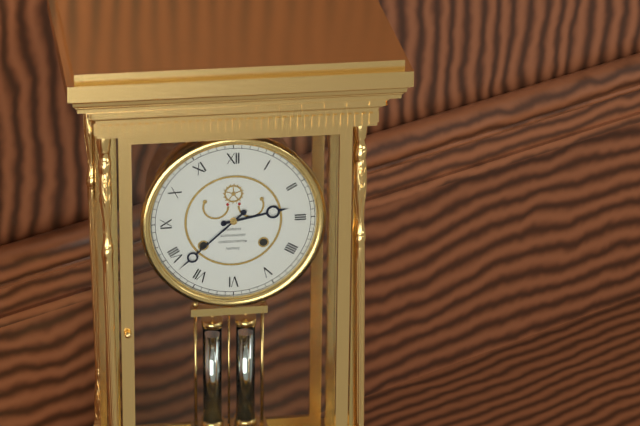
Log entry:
2 h 38 min
